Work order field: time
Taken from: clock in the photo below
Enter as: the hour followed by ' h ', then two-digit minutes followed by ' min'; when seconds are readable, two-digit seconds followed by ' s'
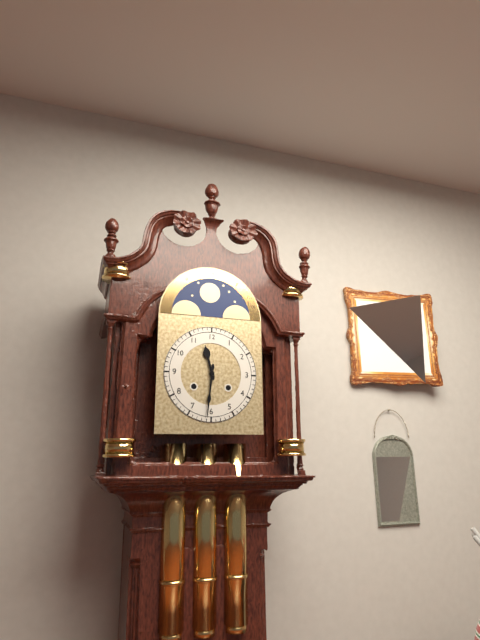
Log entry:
11 h 31 min
